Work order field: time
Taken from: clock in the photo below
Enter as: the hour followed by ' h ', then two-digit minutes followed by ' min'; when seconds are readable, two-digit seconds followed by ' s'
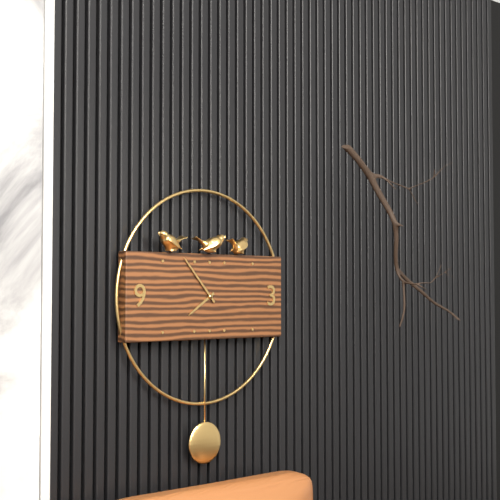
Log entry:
7 h 53 min
